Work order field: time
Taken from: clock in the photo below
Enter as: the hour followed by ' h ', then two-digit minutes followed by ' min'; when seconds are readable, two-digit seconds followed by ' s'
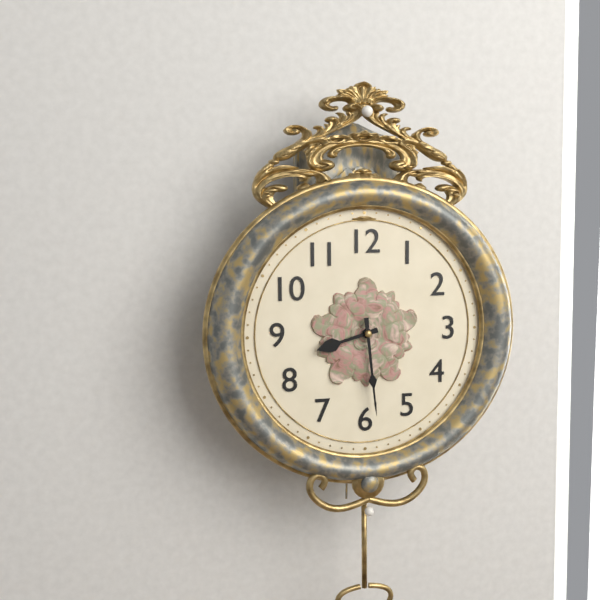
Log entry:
8 h 29 min
